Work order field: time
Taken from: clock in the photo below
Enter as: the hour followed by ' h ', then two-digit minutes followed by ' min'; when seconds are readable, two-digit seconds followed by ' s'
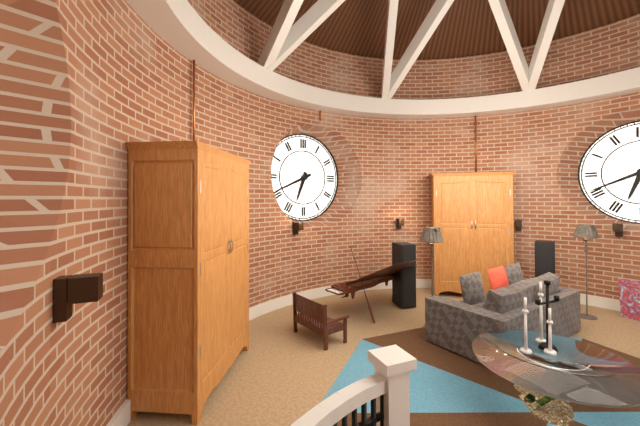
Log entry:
6 h 41 min
